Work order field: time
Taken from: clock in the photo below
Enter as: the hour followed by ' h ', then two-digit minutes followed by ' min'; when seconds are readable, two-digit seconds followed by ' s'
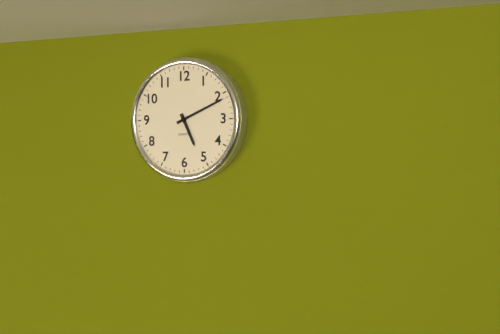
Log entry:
5 h 11 min
